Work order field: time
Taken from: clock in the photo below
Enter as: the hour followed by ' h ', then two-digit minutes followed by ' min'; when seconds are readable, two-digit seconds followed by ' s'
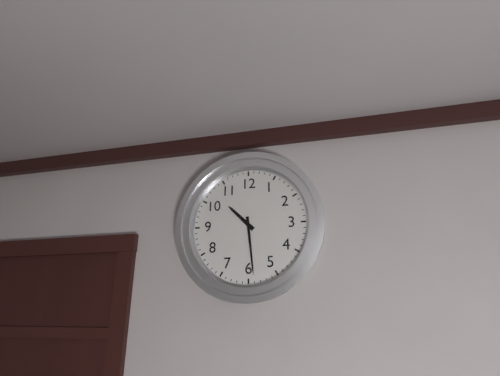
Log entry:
10 h 29 min
